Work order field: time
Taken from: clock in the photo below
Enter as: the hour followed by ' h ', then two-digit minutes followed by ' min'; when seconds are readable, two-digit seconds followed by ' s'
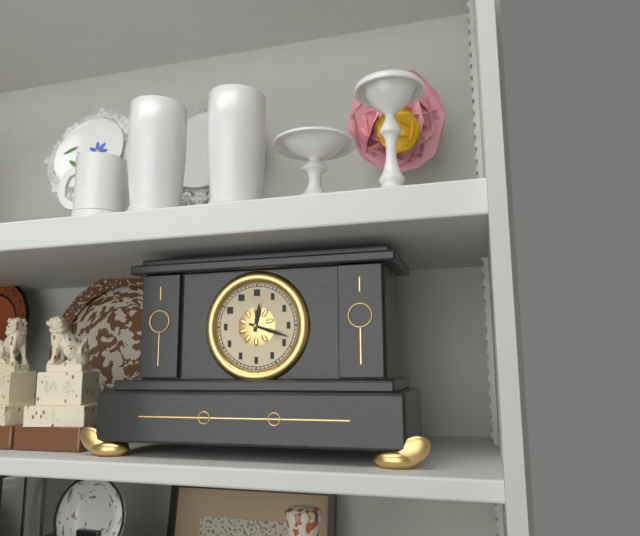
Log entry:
12 h 18 min
